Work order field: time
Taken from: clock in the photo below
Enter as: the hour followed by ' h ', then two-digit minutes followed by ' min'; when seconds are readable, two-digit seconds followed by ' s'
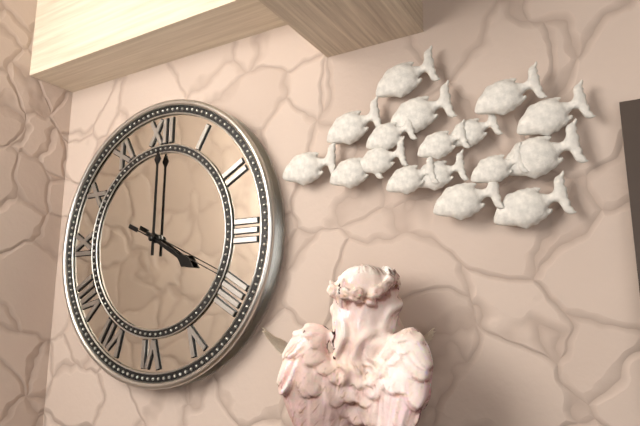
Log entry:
4 h 00 min 19 s
